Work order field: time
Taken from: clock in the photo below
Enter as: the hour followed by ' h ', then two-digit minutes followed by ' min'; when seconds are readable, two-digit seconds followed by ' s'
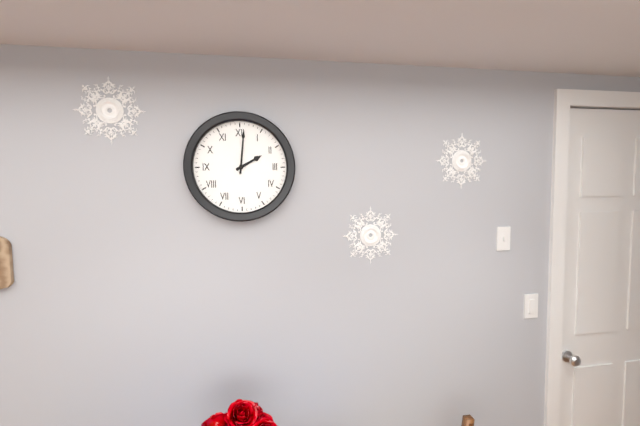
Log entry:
2 h 01 min
